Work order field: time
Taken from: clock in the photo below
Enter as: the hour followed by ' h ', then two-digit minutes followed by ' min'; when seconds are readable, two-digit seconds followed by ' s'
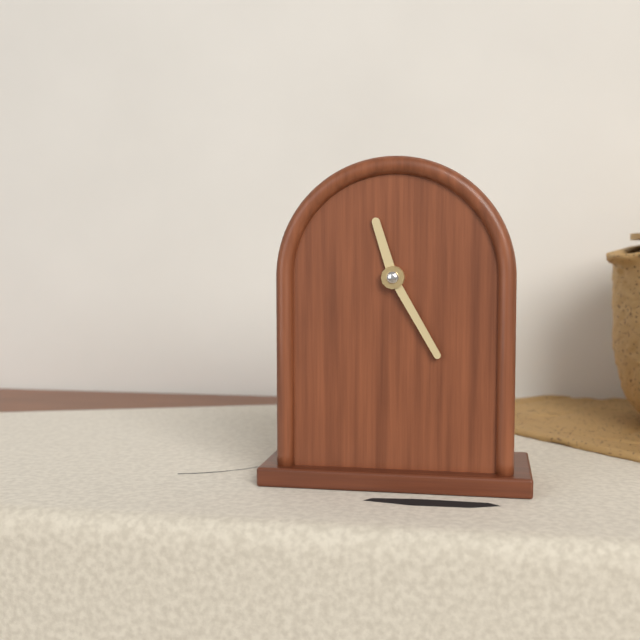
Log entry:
11 h 25 min
